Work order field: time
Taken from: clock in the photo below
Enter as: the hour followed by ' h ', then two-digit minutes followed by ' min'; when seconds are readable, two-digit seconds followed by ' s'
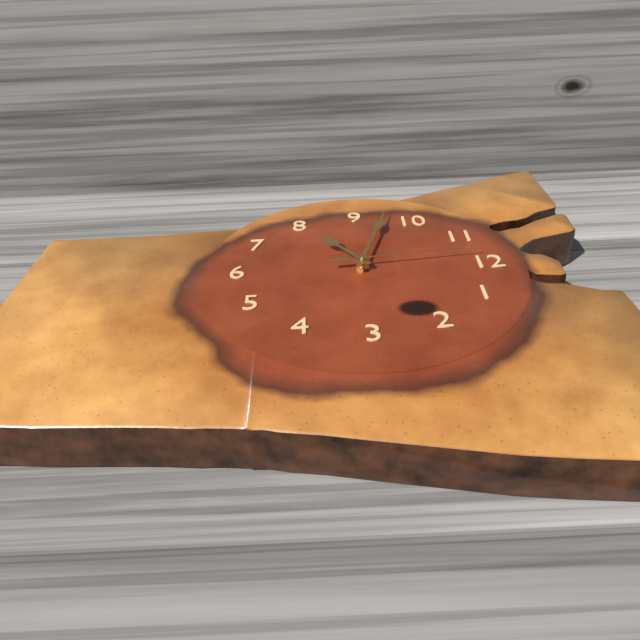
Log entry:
7 h 48 min 59 s
